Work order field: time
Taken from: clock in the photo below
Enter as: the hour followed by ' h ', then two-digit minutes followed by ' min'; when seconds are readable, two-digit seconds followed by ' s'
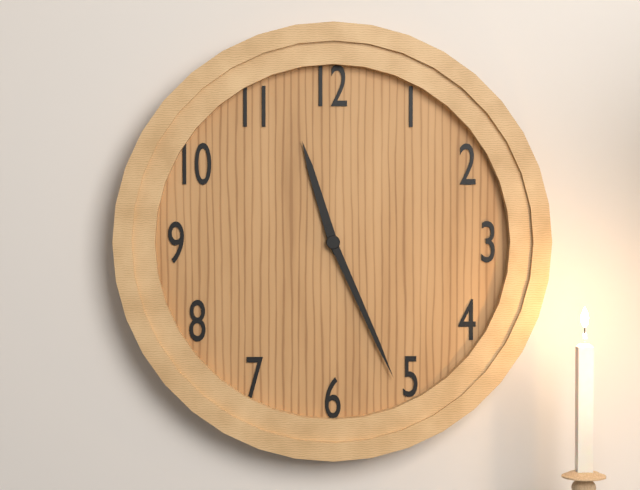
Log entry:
11 h 26 min
